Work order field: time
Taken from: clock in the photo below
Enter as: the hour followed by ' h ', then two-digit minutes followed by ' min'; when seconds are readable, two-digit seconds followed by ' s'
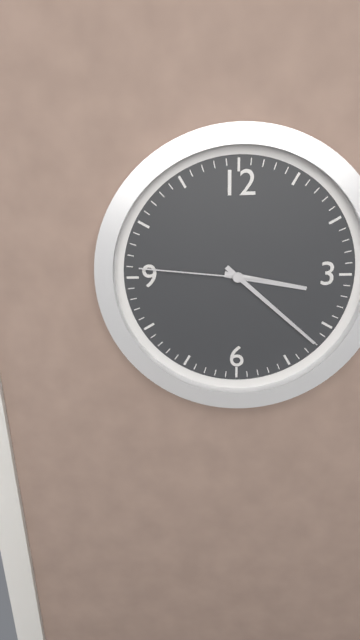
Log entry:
3 h 22 min 46 s
